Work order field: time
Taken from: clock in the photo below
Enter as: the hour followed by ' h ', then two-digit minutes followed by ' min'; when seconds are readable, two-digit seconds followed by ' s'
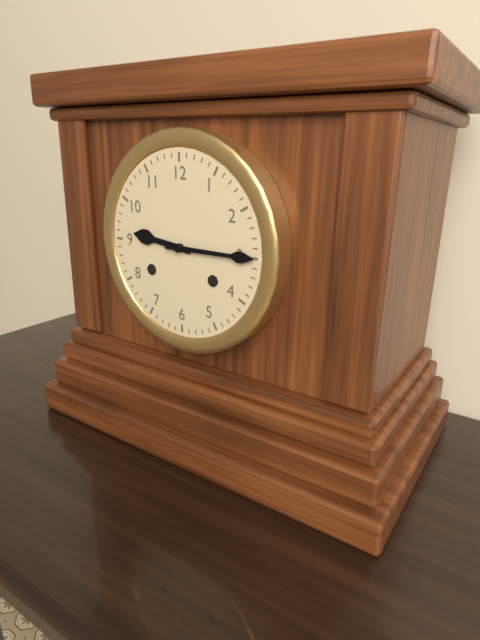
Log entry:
9 h 15 min
